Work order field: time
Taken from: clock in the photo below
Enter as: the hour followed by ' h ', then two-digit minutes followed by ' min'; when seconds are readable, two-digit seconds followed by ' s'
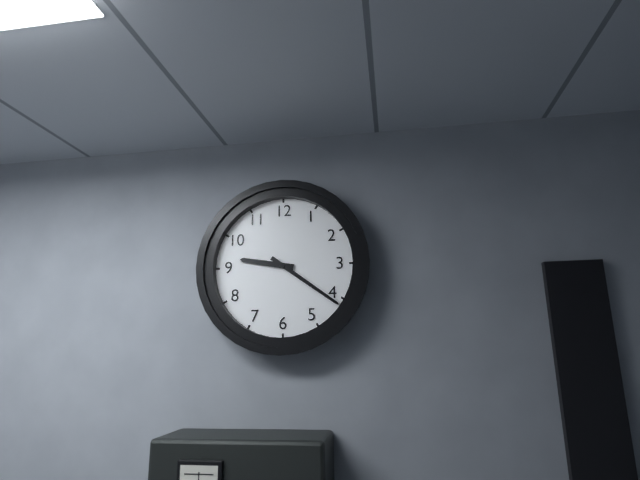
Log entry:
9 h 21 min
